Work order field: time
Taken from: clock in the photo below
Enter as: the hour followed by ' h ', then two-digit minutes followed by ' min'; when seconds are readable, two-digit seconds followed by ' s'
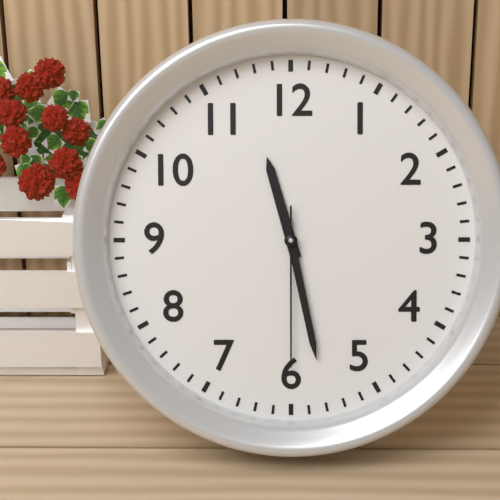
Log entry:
11 h 28 min 30 s
